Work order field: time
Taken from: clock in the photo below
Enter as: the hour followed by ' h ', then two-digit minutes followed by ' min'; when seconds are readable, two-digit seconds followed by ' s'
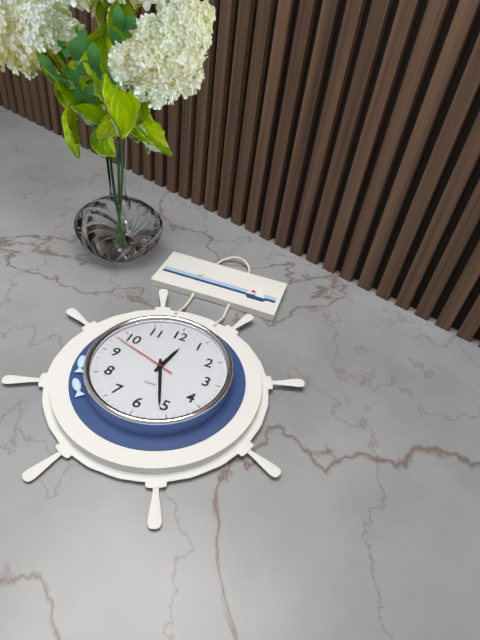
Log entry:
12 h 26 min 48 s
